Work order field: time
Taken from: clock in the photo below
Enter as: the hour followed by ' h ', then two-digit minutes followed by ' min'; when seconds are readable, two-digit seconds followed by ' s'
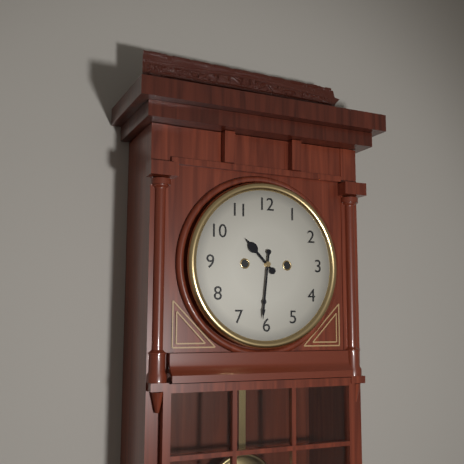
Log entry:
10 h 31 min
